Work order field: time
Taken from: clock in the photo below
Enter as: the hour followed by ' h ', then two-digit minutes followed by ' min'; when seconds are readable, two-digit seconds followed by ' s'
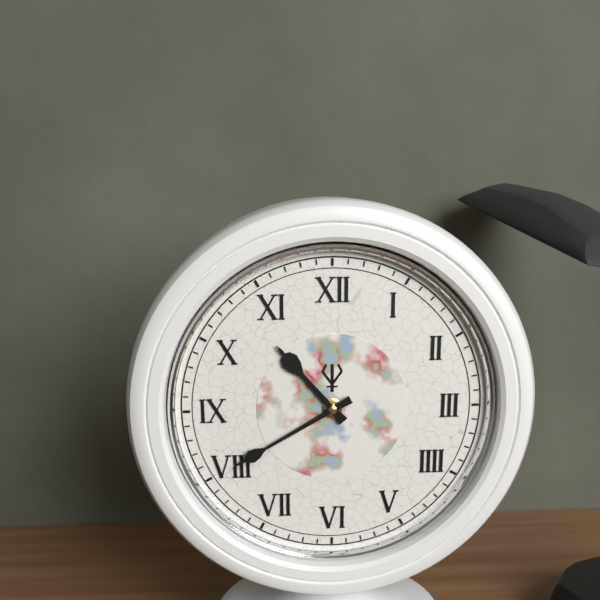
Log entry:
10 h 40 min
